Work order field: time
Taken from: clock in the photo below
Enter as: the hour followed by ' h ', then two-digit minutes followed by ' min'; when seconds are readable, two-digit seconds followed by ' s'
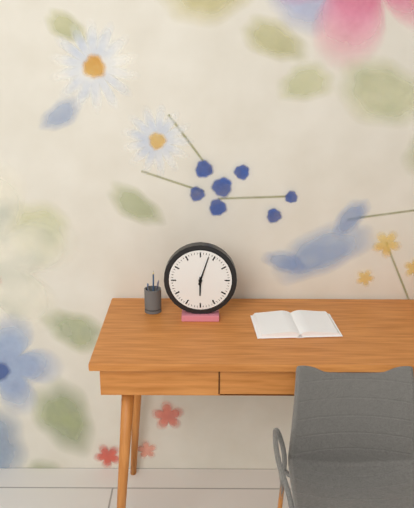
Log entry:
6 h 03 min
